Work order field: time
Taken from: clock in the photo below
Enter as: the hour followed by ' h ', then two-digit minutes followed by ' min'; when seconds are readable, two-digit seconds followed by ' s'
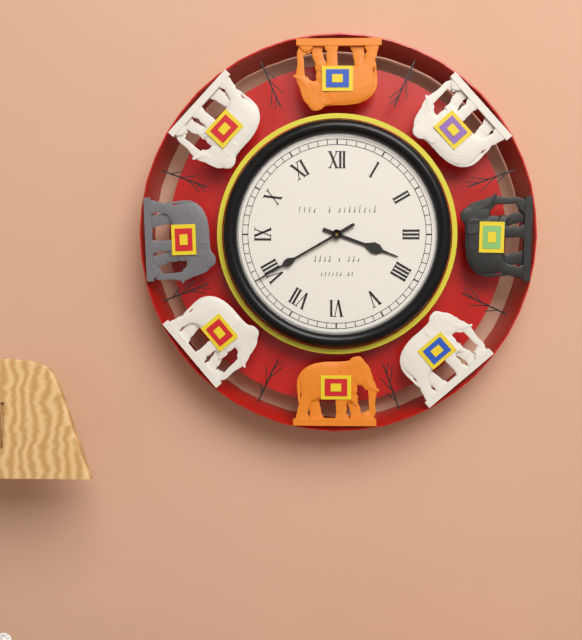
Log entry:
3 h 40 min
